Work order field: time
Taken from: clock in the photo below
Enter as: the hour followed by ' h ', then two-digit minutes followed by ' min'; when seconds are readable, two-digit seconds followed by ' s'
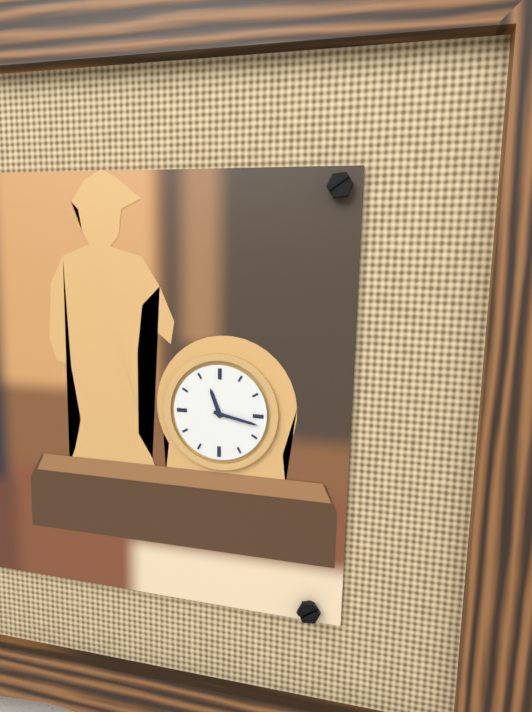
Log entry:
11 h 17 min
